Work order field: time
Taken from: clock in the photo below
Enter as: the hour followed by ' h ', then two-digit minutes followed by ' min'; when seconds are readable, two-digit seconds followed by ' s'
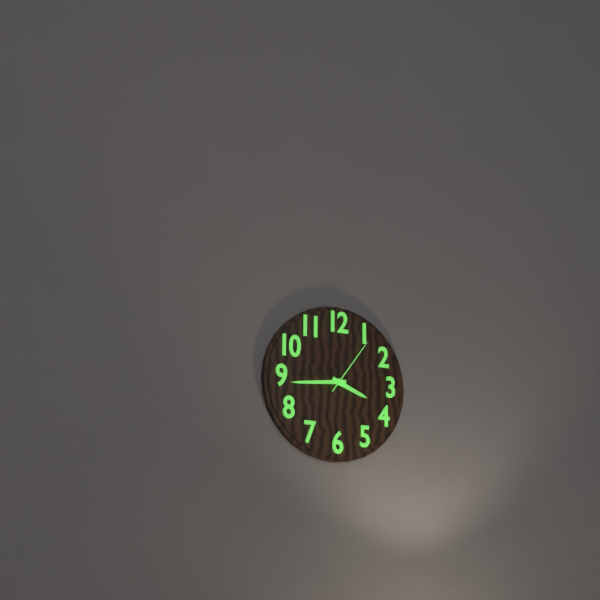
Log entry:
3 h 44 min 06 s
